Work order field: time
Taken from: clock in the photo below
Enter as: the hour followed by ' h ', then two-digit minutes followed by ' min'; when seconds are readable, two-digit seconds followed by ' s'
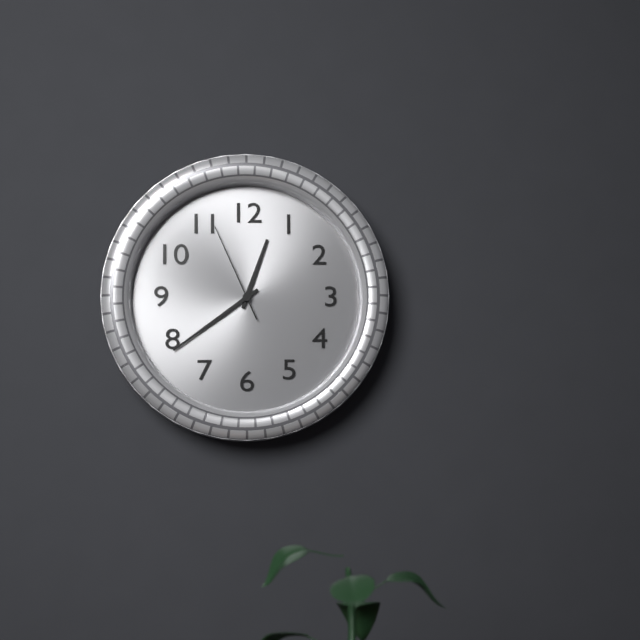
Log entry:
12 h 39 min 56 s
